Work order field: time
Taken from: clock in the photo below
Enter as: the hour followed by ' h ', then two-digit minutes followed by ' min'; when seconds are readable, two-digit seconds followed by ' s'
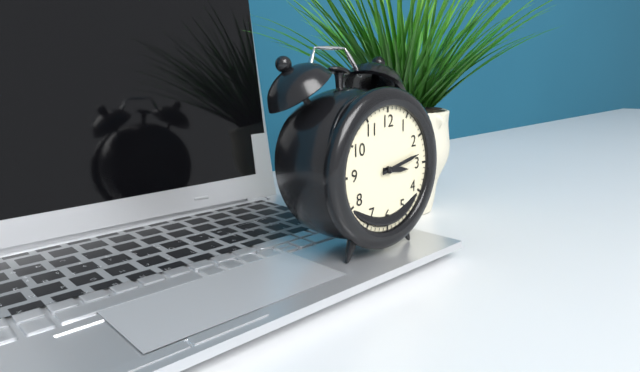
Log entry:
3 h 13 min
